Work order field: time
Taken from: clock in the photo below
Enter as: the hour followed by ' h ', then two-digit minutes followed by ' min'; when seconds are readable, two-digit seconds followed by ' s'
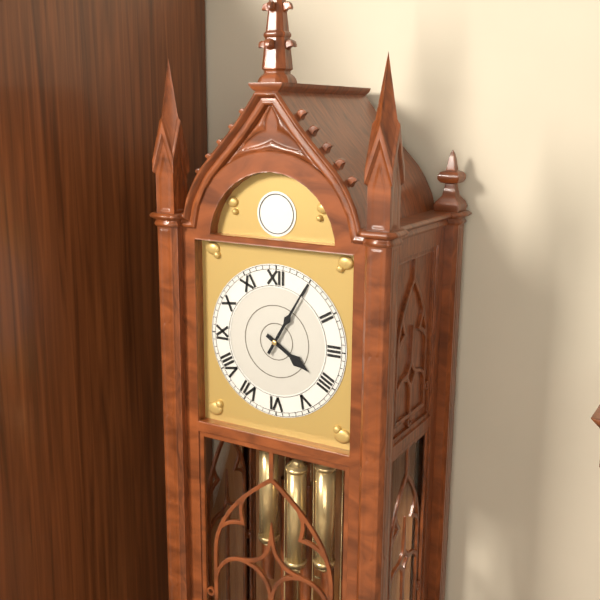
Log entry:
4 h 05 min
